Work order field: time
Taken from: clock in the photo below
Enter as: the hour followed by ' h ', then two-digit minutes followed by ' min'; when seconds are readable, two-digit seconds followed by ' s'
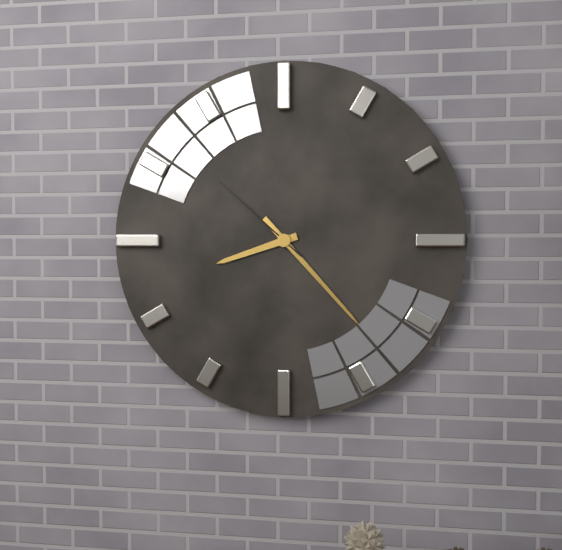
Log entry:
8 h 23 min 52 s
